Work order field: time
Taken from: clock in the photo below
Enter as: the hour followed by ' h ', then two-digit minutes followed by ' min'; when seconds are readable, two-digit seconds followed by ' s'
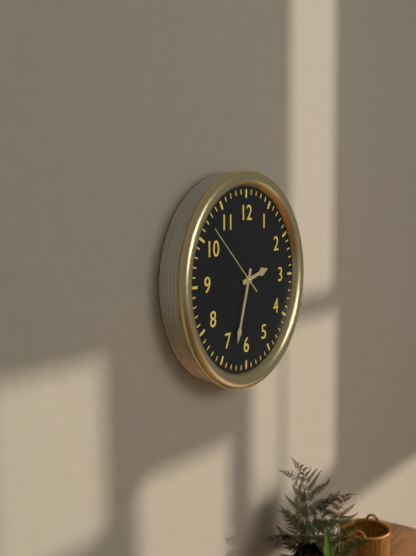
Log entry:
2 h 33 min 52 s
